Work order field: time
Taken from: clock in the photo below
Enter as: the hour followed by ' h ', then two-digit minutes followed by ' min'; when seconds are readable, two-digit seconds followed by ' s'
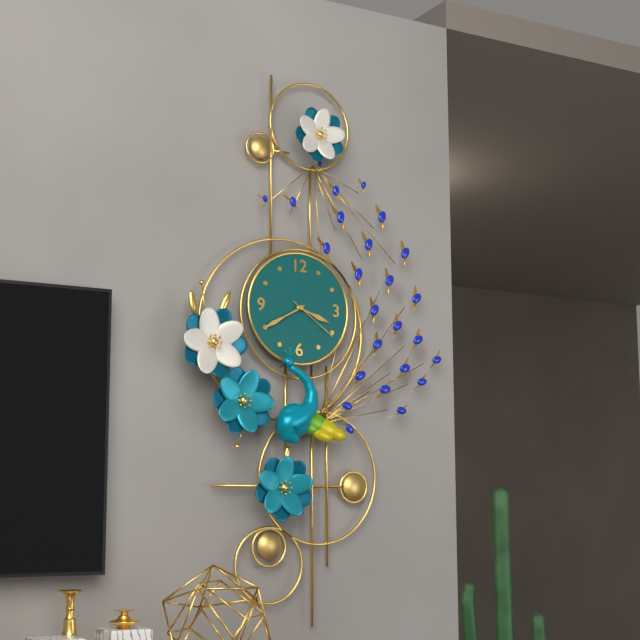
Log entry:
3 h 40 min 21 s
